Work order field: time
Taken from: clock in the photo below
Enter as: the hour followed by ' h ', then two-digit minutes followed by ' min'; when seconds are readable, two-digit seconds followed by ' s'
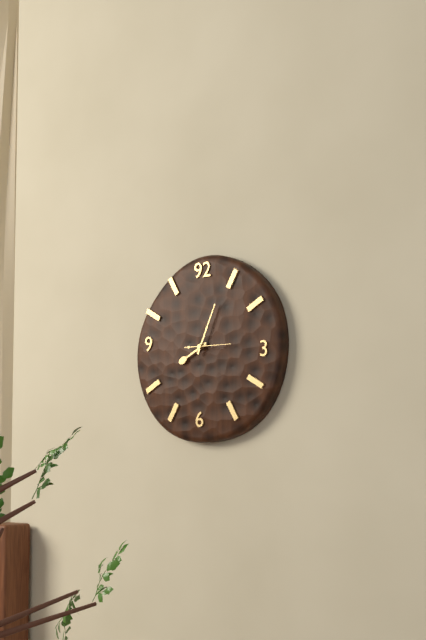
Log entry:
8 h 04 min
